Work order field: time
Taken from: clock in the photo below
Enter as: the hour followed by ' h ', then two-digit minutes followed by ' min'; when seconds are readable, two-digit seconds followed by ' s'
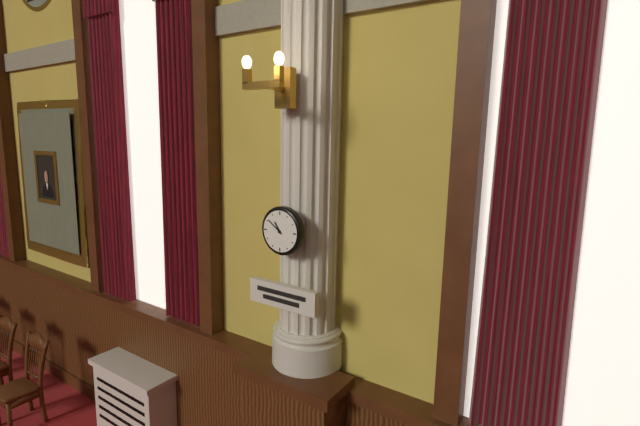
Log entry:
10 h 51 min
